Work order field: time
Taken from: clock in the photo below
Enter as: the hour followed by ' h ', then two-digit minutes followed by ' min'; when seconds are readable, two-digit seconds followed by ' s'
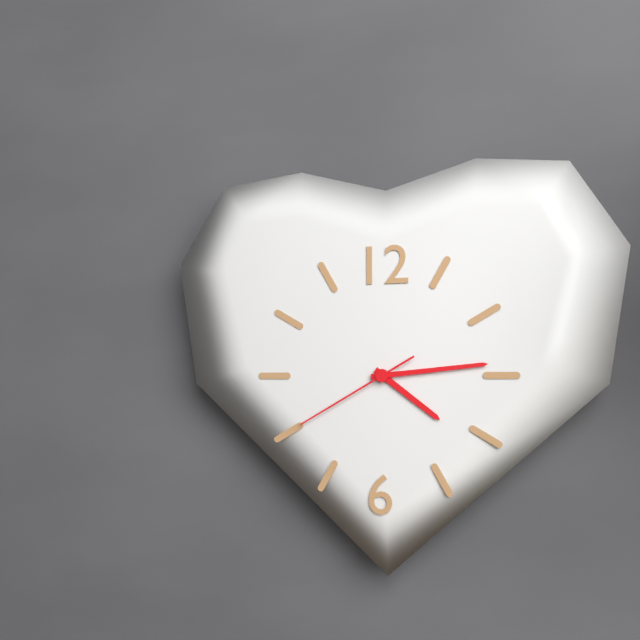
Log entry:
4 h 14 min 40 s
